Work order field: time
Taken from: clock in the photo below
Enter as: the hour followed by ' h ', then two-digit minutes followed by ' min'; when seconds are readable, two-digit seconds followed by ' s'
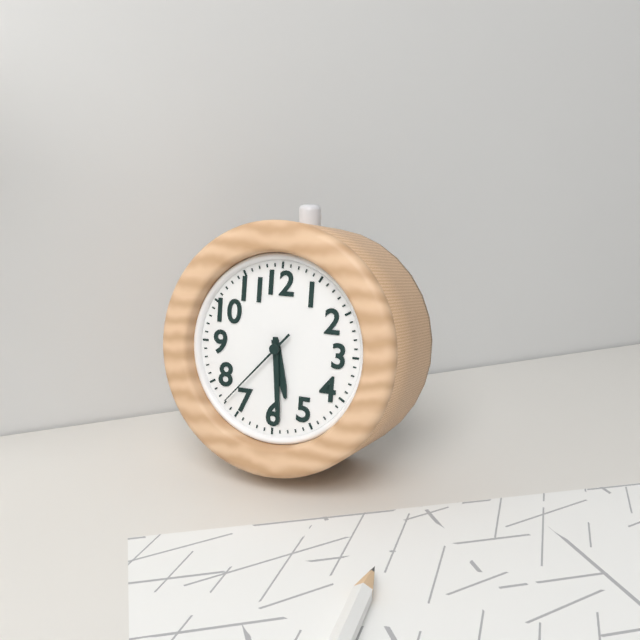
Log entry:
5 h 29 min 37 s
